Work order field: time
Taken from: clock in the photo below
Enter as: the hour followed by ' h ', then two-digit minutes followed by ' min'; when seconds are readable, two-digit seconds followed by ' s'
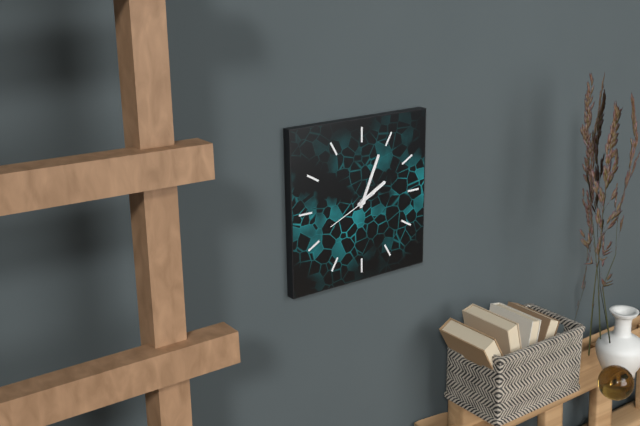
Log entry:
2 h 04 min 41 s
